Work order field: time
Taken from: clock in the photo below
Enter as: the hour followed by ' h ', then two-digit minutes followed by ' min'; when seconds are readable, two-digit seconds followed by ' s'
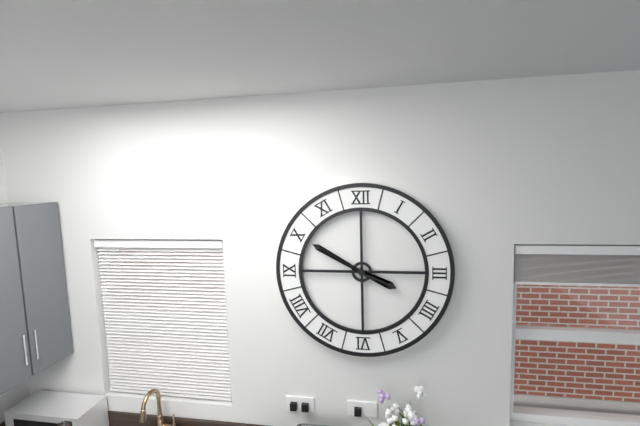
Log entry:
3 h 50 min
